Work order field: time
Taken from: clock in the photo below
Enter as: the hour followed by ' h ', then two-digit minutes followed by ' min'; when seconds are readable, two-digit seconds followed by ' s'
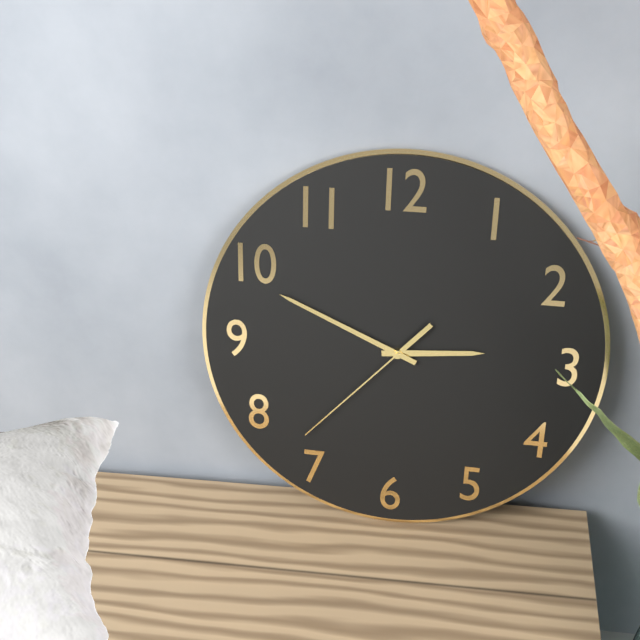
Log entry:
2 h 49 min 37 s
